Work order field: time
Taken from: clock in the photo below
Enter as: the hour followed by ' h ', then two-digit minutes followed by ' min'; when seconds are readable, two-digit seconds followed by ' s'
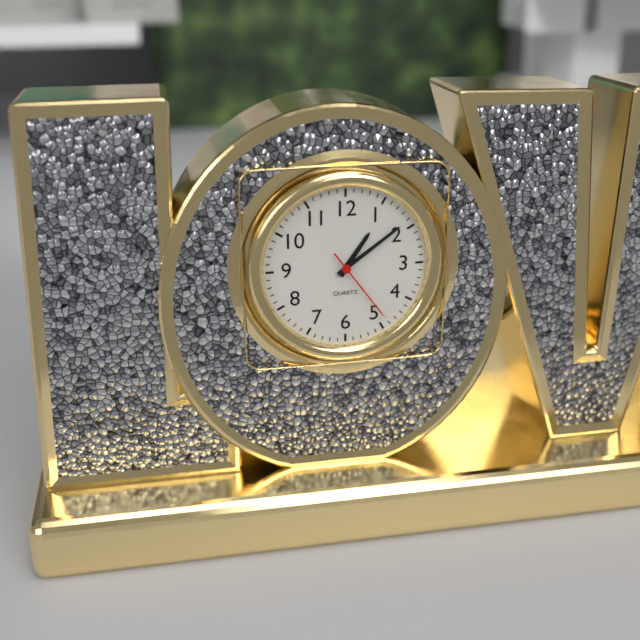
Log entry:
1 h 09 min 24 s
